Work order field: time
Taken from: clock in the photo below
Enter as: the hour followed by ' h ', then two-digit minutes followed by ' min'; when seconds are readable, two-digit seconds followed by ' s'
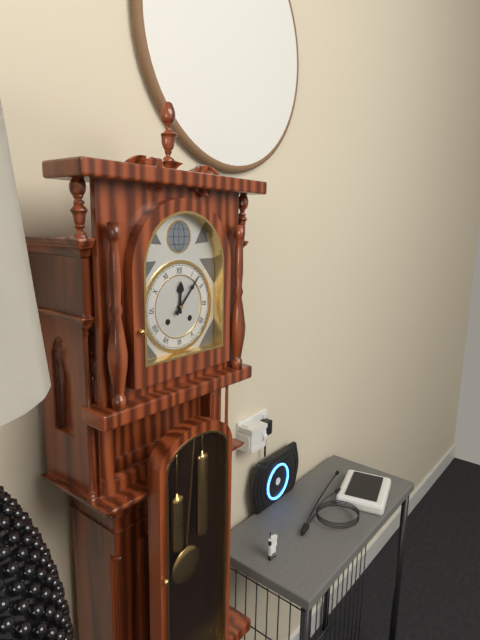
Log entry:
12 h 07 min
